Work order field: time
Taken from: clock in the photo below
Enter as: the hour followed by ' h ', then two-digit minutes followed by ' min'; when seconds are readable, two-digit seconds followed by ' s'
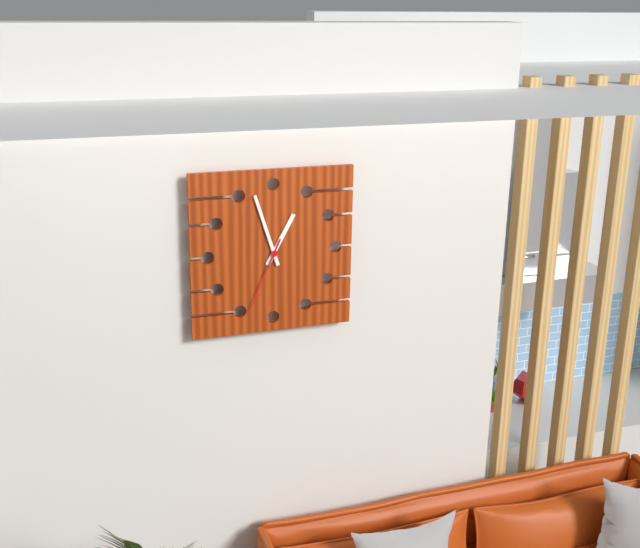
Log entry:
12 h 57 min 34 s
